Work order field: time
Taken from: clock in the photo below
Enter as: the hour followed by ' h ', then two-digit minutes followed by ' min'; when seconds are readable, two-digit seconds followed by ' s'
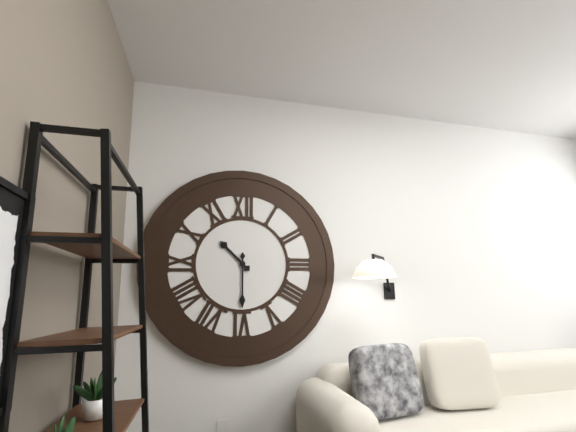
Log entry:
10 h 30 min
